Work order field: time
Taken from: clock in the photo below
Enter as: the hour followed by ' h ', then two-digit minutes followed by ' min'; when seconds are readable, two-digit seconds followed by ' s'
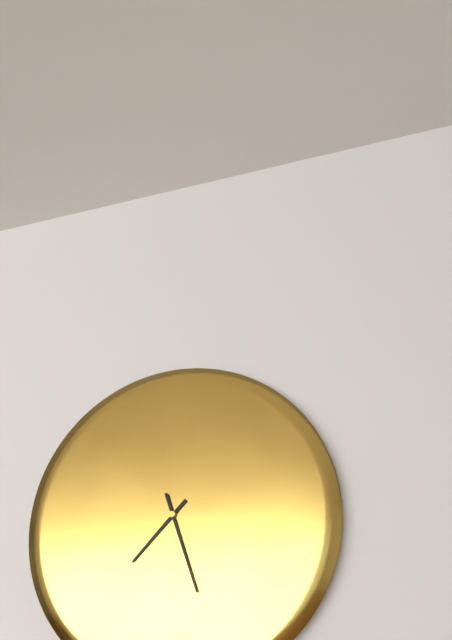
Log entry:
7 h 27 min
